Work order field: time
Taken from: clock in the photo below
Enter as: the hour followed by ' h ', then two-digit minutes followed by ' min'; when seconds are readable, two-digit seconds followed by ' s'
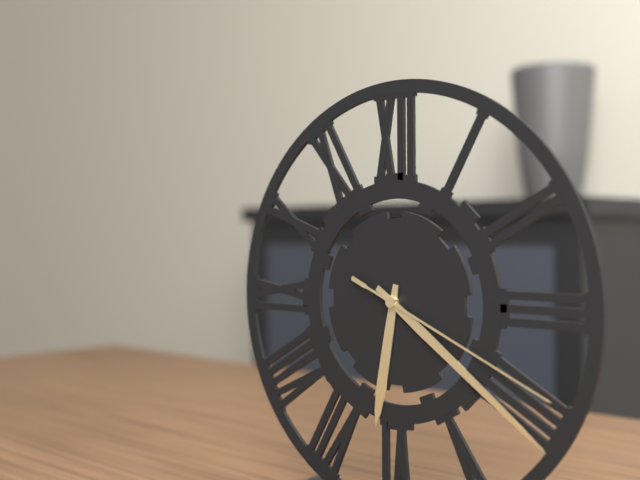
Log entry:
6 h 21 min 19 s
